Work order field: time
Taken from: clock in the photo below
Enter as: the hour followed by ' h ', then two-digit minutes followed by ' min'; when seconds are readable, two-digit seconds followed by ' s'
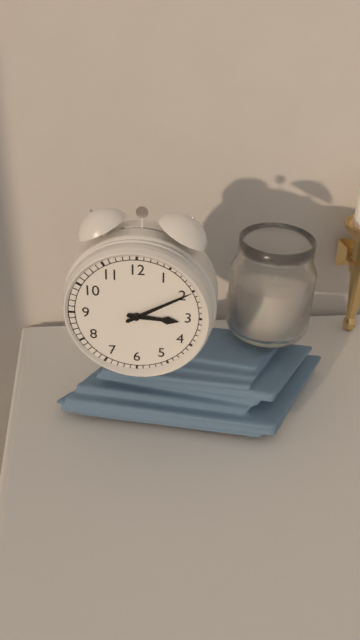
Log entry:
3 h 10 min
